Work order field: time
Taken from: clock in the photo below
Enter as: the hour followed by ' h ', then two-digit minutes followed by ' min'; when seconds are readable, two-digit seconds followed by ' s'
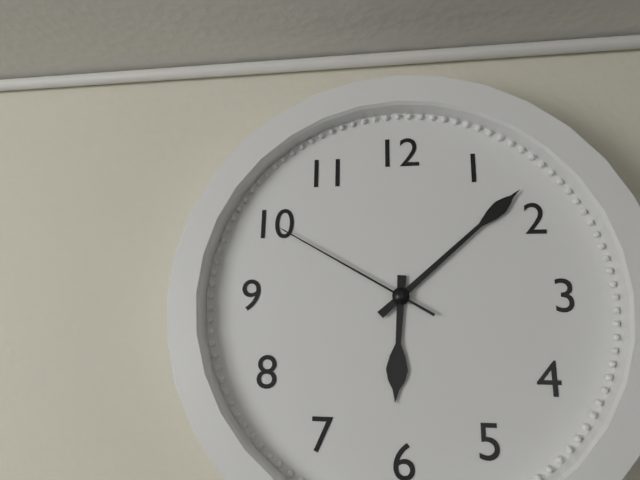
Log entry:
6 h 08 min 50 s
